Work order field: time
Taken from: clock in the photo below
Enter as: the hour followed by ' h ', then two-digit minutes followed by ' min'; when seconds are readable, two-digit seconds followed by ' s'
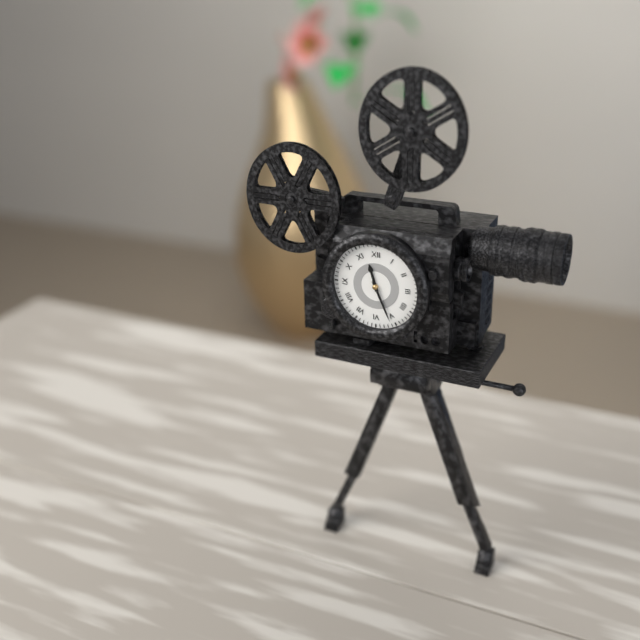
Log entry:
11 h 26 min
